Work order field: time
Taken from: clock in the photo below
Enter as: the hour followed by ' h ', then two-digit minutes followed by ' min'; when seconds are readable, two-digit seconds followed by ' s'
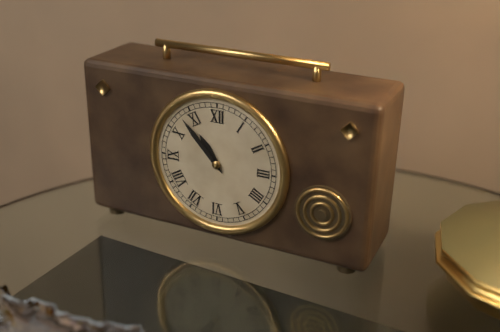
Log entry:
10 h 53 min
